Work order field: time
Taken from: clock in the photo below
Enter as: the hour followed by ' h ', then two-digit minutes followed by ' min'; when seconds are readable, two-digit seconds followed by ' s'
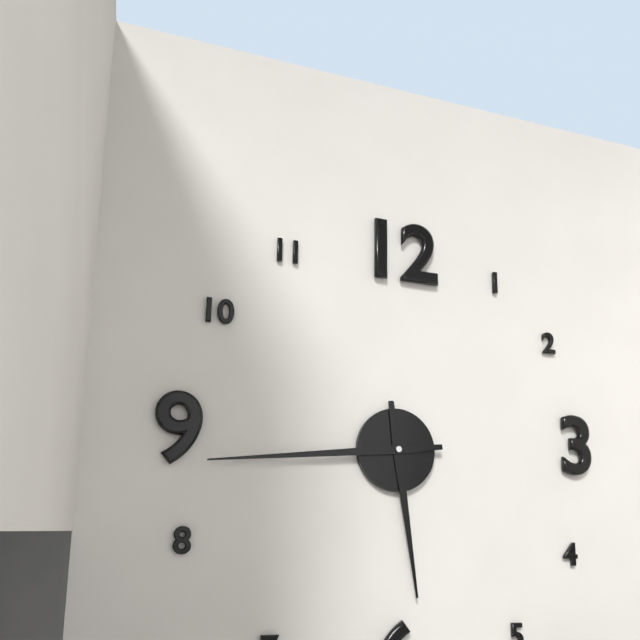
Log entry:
5 h 44 min
